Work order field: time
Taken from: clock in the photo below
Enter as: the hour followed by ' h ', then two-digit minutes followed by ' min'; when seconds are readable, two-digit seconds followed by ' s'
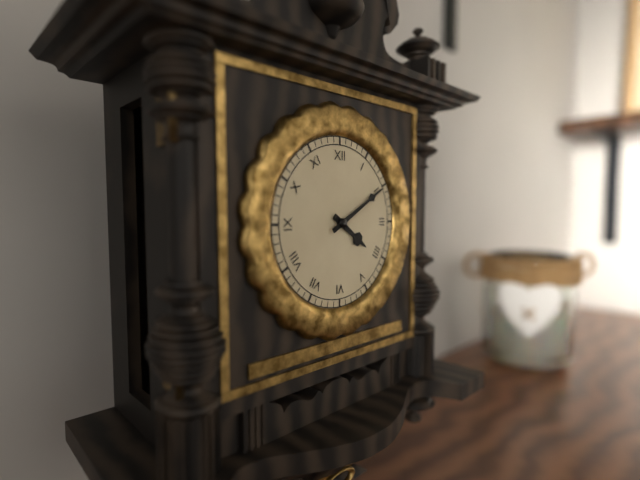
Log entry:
4 h 10 min
